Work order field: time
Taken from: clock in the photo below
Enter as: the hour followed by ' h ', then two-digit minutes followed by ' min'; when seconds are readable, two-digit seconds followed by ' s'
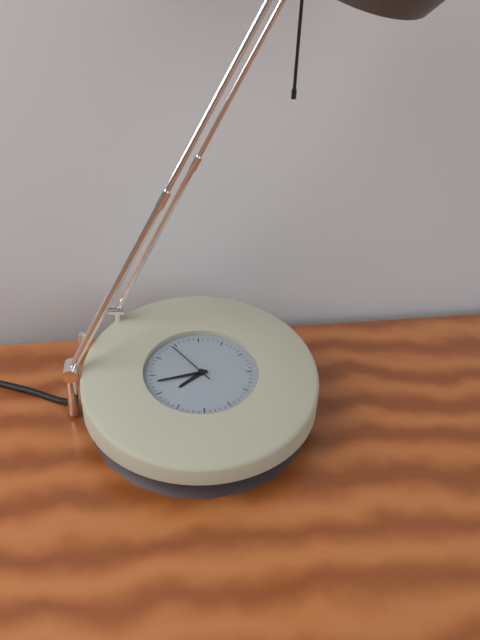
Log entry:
7 h 43 min
